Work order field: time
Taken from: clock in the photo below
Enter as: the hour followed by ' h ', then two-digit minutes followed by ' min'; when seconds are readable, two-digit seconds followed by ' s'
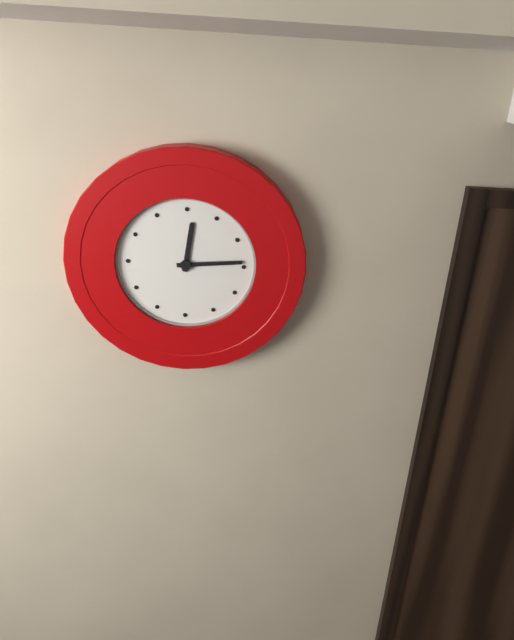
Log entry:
12 h 14 min
